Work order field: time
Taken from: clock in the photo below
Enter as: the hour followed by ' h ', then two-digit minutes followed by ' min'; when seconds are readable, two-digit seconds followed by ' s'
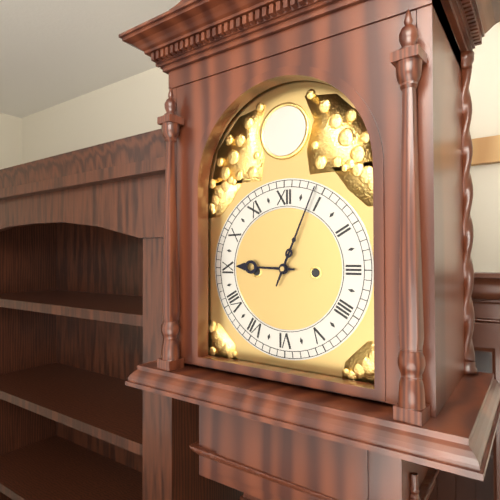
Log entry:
9 h 04 min
